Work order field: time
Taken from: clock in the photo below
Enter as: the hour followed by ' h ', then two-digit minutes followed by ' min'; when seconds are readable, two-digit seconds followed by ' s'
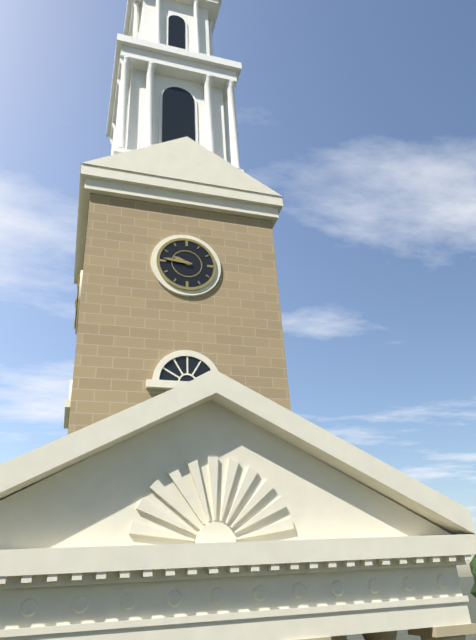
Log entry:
9 h 46 min
